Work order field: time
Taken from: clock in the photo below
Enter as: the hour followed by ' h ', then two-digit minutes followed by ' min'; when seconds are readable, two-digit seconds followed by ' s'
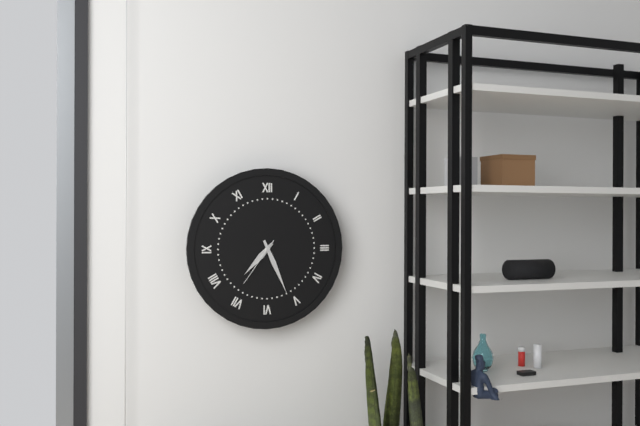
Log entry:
7 h 26 min 36 s
